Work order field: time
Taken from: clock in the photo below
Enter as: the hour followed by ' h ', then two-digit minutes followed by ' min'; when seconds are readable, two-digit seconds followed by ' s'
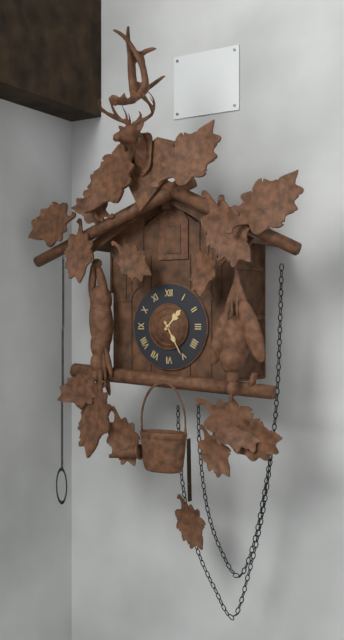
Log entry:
1 h 25 min
